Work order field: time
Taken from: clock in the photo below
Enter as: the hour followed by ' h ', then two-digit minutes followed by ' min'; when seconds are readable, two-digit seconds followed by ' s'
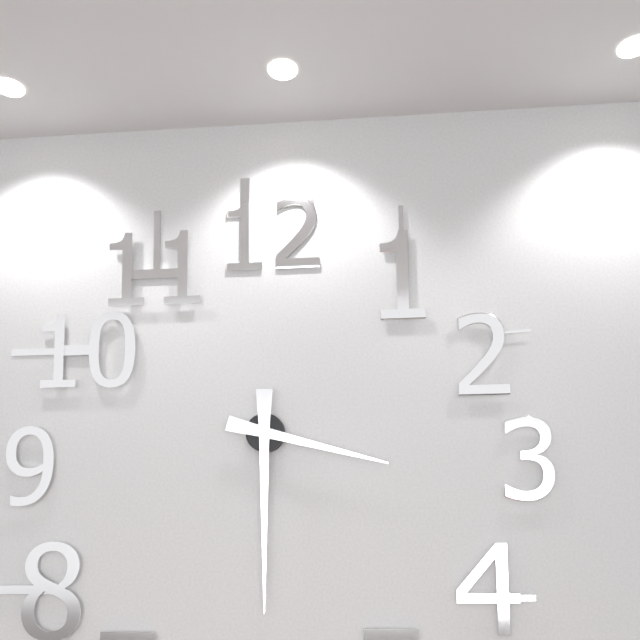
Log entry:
3 h 30 min
